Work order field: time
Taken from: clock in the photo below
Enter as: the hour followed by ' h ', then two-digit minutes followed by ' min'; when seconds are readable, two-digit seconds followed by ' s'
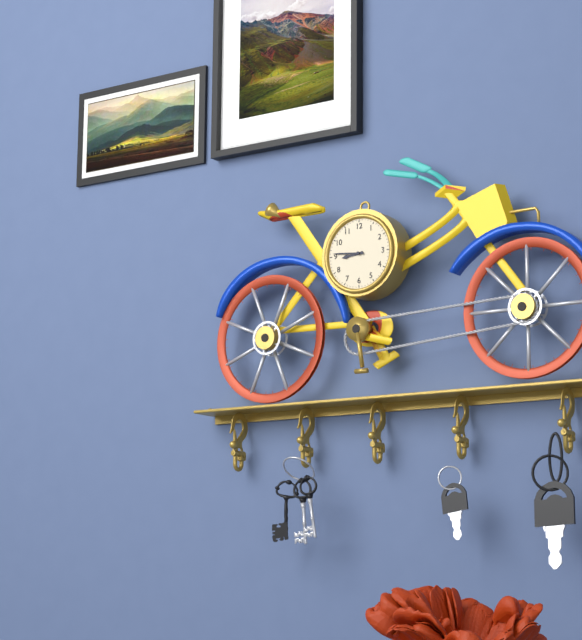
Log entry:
8 h 46 min
